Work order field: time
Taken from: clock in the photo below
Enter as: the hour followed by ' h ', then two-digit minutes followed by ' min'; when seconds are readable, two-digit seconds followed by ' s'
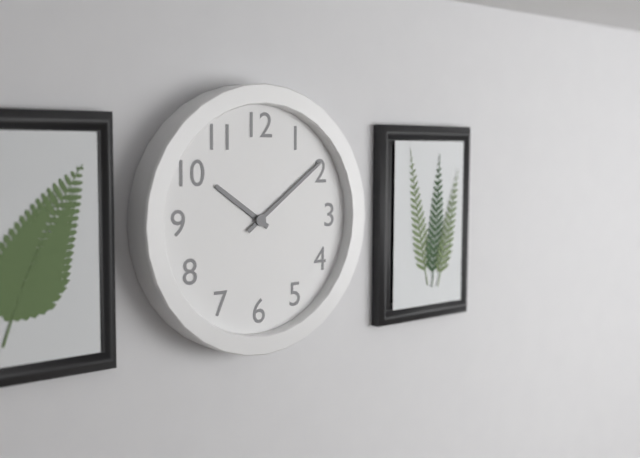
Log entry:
10 h 09 min
